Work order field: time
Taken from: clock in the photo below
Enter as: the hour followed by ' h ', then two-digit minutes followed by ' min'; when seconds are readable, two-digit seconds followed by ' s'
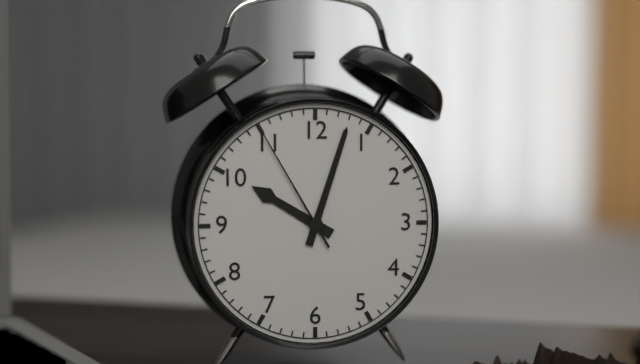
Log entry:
10 h 03 min 55 s
